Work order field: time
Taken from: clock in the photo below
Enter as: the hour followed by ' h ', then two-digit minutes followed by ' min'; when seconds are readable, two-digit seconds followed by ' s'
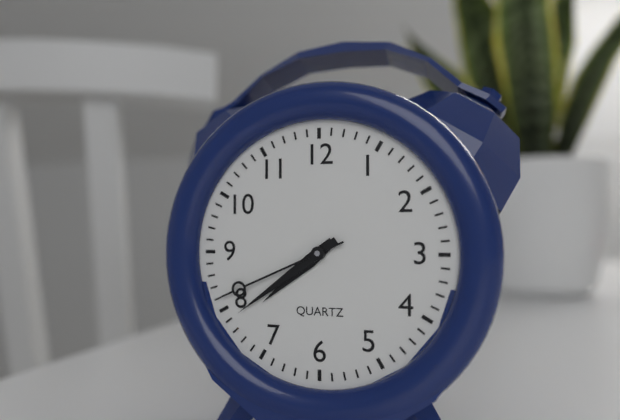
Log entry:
7 h 39 min 41 s
